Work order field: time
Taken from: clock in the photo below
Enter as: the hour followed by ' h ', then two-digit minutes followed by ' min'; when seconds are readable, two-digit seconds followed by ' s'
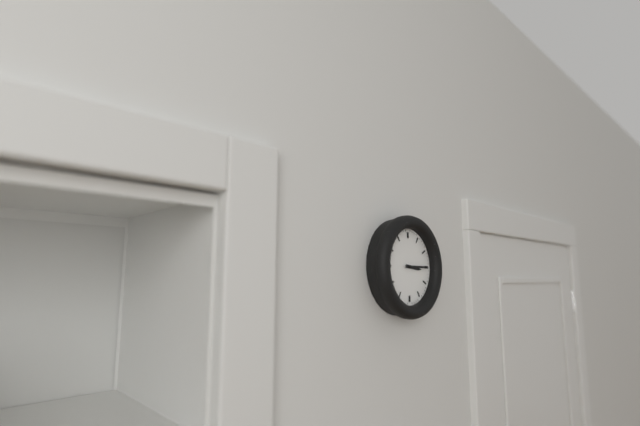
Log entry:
3 h 15 min
